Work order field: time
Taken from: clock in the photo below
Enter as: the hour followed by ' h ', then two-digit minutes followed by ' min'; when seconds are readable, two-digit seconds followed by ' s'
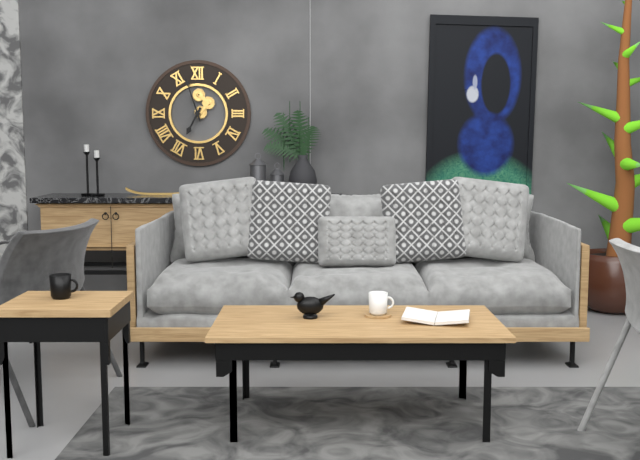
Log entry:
6 h 57 min
